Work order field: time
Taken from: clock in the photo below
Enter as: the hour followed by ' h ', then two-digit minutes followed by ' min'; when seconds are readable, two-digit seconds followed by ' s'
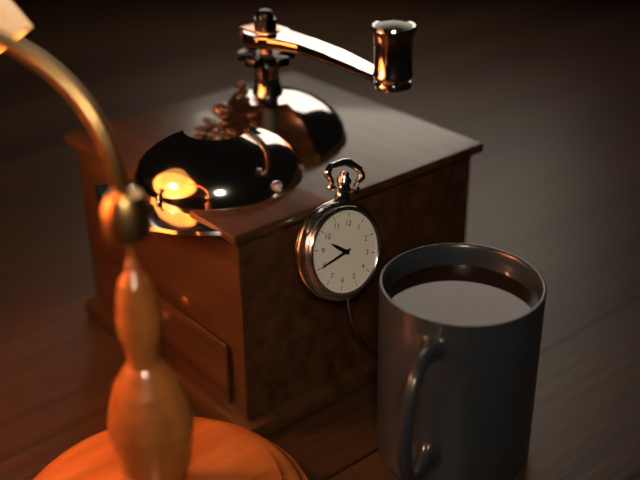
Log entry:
9 h 40 min
